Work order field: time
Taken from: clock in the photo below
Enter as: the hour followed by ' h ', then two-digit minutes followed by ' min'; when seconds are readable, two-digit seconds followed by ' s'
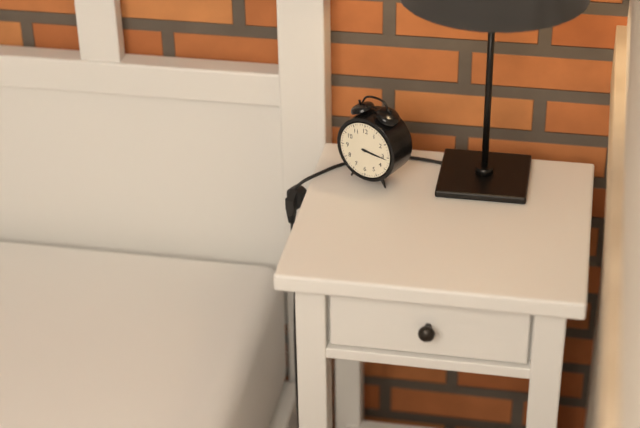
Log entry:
3 h 16 min
